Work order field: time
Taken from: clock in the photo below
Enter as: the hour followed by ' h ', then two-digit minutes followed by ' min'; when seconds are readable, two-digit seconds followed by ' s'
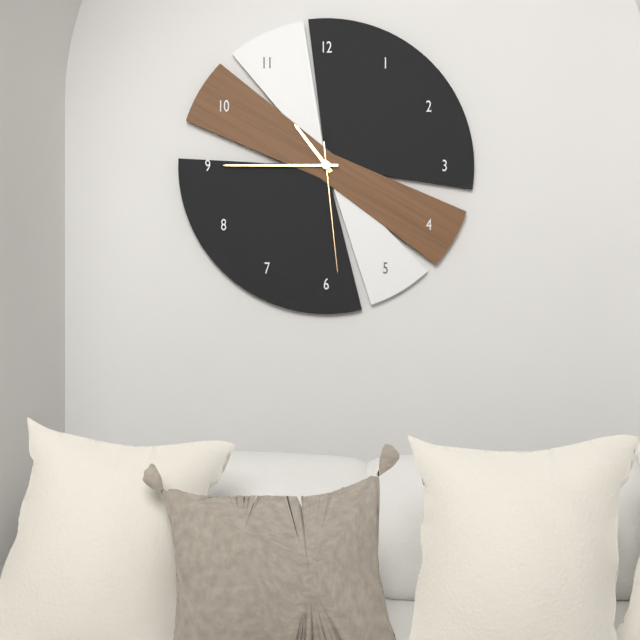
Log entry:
10 h 45 min 29 s
